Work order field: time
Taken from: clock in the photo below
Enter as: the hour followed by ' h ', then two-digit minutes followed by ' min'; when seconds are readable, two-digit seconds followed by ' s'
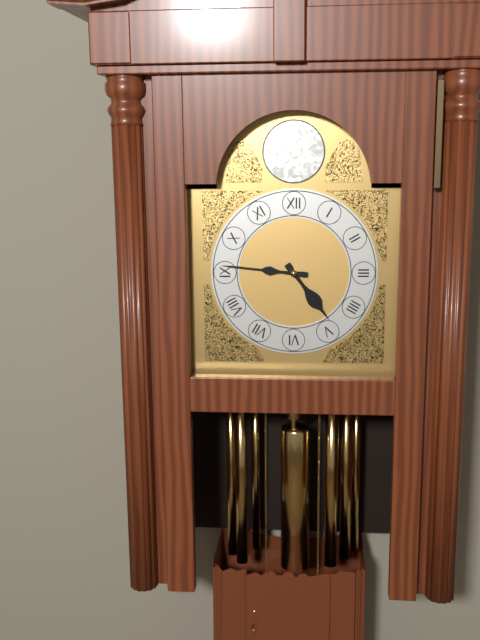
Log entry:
4 h 46 min
